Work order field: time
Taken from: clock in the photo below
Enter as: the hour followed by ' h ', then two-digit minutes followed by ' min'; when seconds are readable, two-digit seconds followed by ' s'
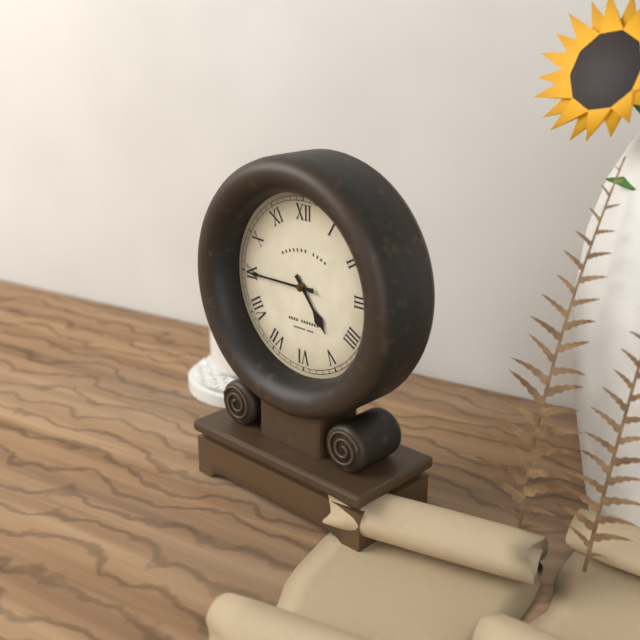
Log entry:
4 h 45 min
